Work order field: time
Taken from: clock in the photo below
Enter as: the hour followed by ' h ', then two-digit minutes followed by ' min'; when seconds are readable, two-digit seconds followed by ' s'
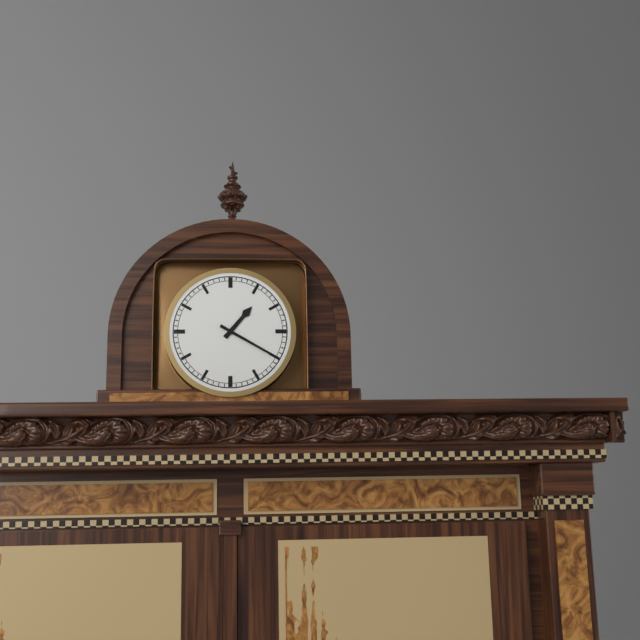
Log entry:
1 h 20 min
